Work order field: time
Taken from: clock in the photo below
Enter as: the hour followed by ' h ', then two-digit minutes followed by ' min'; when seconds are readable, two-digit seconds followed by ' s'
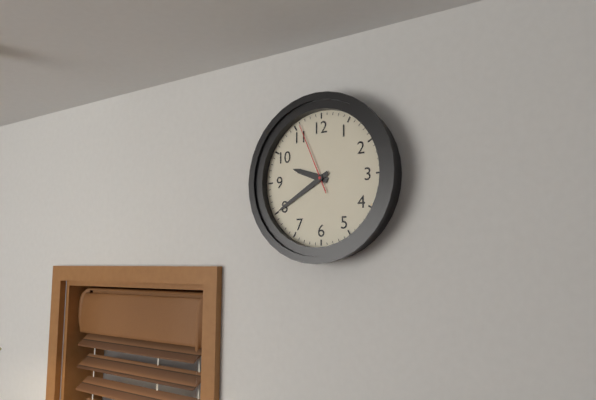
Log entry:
9 h 40 min 56 s
